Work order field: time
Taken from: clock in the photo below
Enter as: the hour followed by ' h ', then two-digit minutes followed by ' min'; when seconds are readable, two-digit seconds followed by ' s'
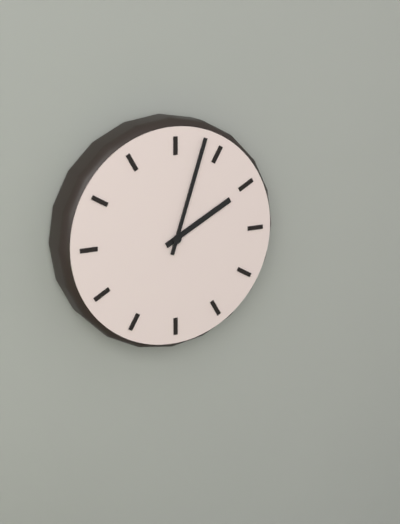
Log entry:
2 h 03 min
